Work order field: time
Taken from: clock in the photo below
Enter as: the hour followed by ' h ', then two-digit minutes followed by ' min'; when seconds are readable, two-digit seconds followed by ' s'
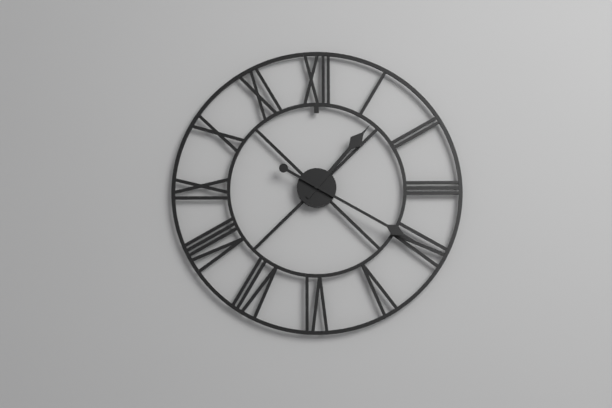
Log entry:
1 h 20 min
